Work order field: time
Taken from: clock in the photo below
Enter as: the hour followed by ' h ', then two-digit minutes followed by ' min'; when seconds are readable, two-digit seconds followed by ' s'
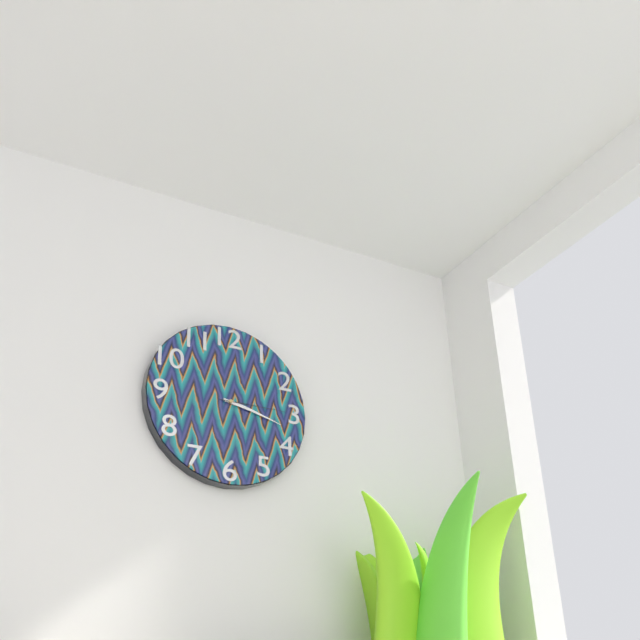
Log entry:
3 h 17 min 15 s
